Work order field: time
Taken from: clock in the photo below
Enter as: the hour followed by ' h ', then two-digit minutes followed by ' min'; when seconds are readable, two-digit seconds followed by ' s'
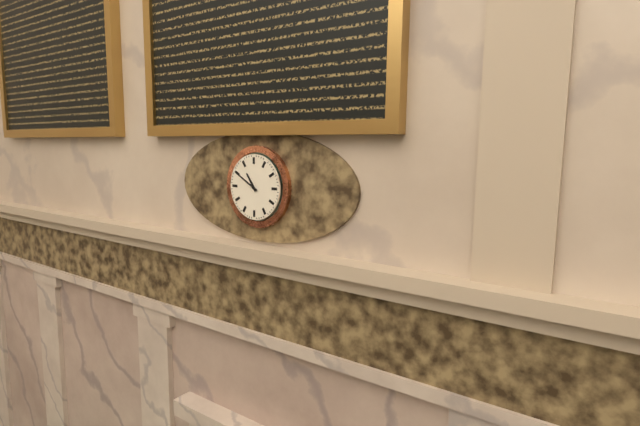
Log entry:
10 h 50 min
